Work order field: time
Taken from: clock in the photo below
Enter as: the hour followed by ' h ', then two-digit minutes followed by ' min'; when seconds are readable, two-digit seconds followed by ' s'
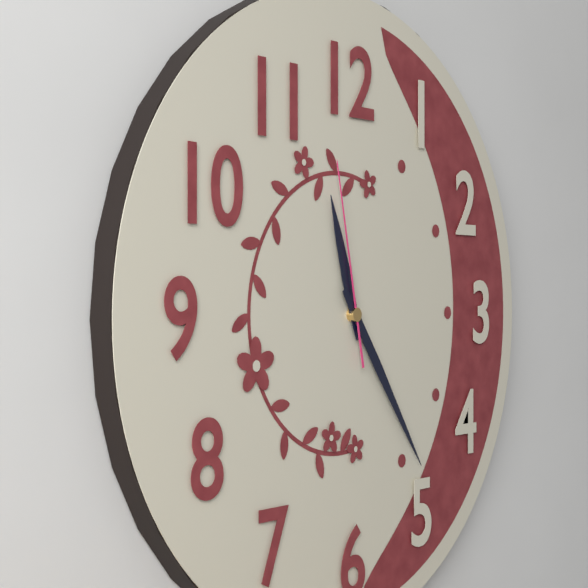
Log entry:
11 h 24 min 58 s
